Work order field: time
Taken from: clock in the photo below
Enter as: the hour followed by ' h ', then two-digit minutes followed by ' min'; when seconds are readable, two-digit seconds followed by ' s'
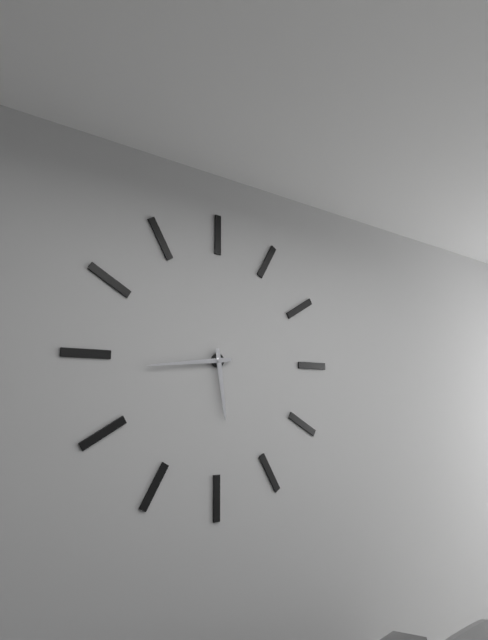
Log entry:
5 h 44 min
